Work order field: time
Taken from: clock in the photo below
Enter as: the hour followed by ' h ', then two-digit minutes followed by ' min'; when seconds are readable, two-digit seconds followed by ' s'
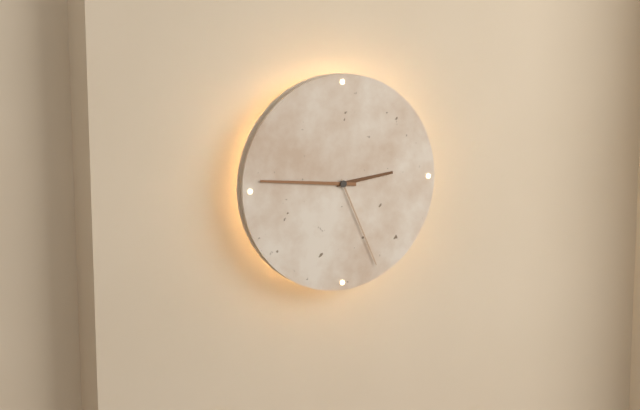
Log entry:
2 h 46 min 26 s
